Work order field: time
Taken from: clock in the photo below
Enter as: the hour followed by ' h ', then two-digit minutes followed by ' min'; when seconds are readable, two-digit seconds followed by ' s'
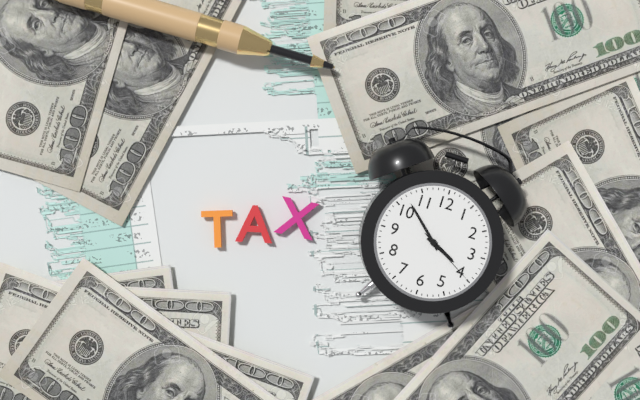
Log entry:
3 h 52 min 20 s
